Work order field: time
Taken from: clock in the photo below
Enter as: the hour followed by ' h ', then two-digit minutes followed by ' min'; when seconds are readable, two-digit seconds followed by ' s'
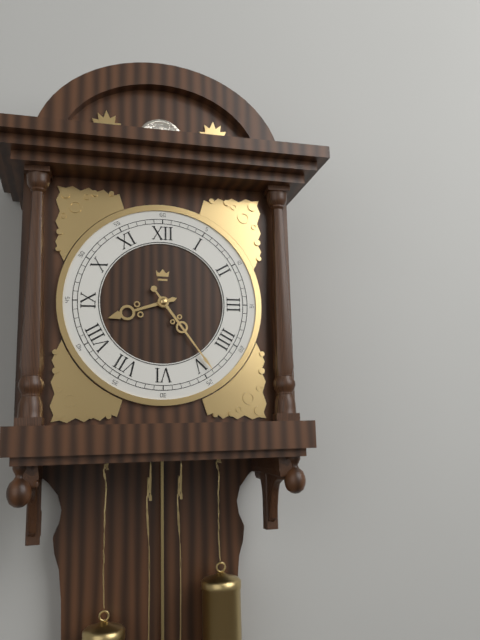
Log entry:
8 h 24 min
